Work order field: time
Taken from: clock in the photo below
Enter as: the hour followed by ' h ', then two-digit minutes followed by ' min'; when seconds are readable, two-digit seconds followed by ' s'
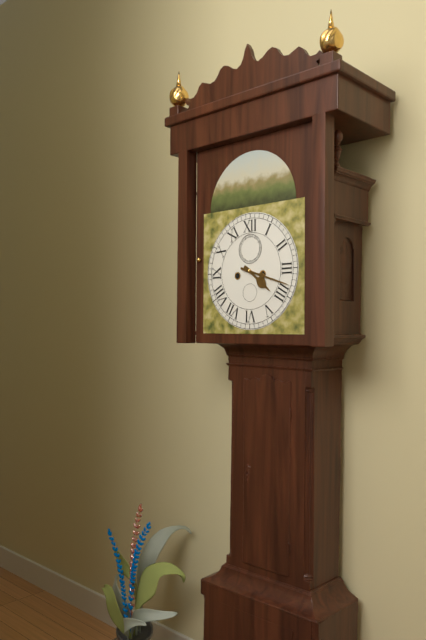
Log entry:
4 h 18 min
